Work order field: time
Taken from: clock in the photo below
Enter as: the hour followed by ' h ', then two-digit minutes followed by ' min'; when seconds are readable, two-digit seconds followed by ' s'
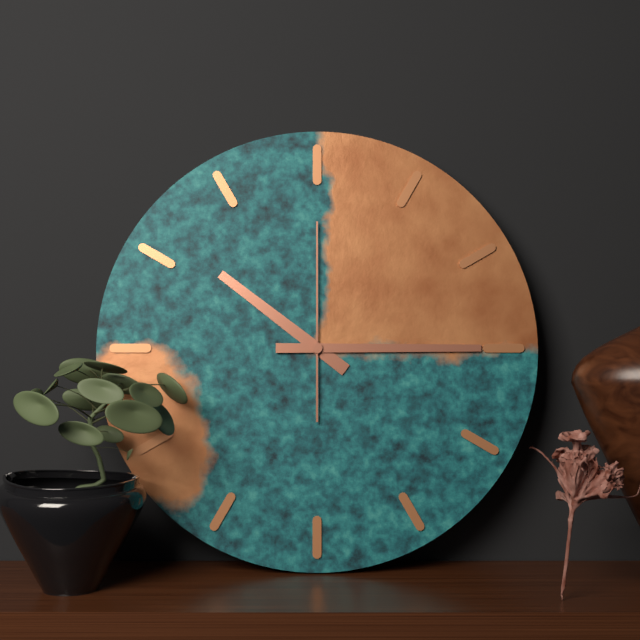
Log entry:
10 h 15 min 00 s
